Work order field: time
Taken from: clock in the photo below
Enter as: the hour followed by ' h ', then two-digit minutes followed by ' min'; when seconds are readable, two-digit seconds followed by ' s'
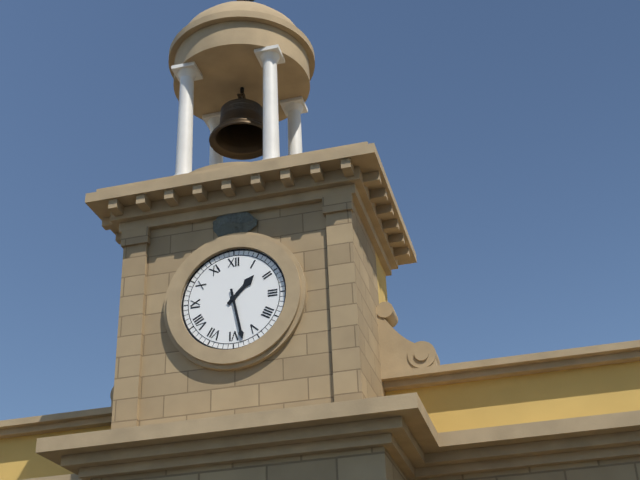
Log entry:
1 h 28 min
